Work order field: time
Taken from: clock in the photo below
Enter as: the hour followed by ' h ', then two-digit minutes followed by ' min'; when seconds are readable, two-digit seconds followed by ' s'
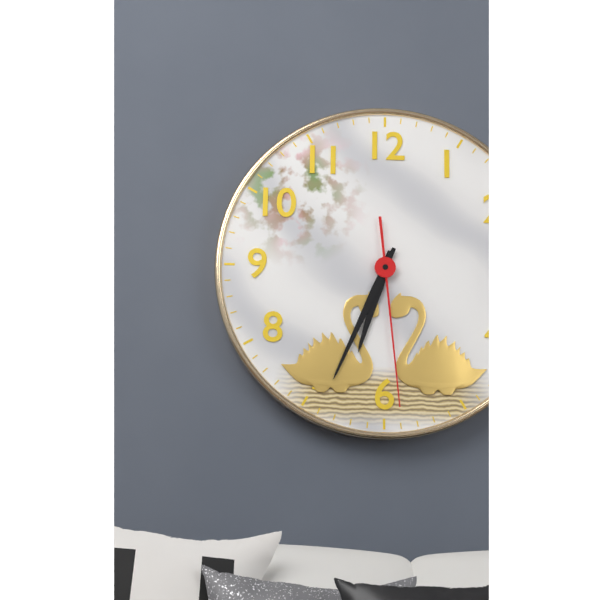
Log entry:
6 h 34 min 29 s
